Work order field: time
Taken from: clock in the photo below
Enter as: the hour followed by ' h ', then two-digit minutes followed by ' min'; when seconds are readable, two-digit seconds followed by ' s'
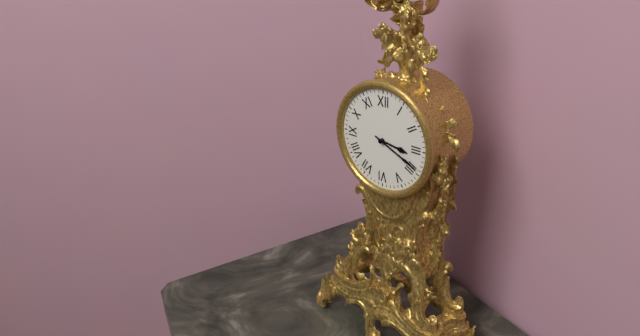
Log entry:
3 h 19 min
